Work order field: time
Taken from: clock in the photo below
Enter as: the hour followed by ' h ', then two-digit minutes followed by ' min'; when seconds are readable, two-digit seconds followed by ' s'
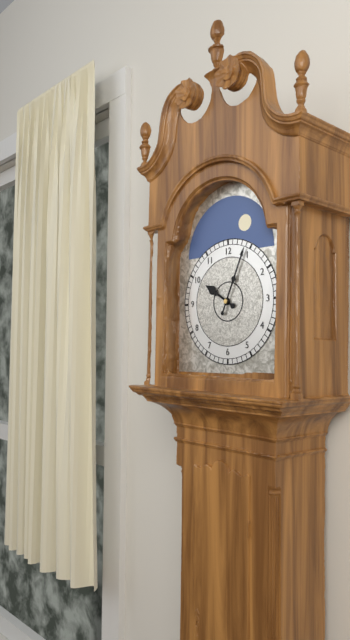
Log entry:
10 h 04 min
